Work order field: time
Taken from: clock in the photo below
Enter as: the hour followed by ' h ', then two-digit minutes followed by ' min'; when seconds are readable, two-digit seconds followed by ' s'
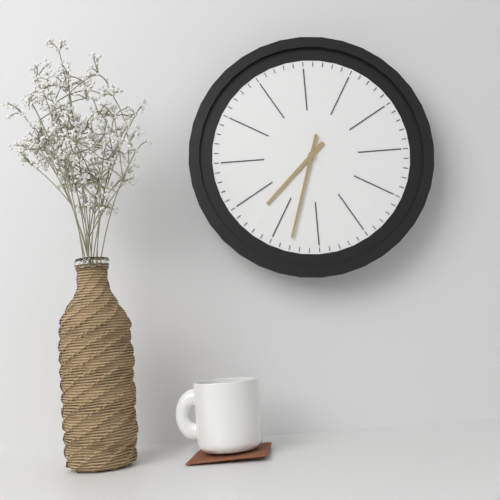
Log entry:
7 h 33 min
